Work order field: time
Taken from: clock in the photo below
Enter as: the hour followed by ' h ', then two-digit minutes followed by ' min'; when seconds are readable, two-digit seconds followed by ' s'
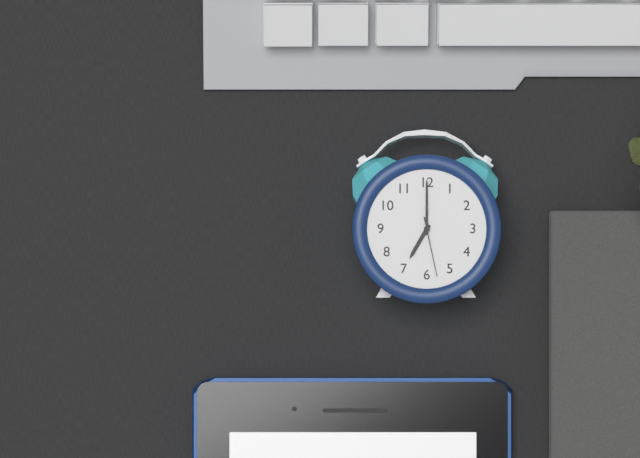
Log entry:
7 h 00 min 28 s
